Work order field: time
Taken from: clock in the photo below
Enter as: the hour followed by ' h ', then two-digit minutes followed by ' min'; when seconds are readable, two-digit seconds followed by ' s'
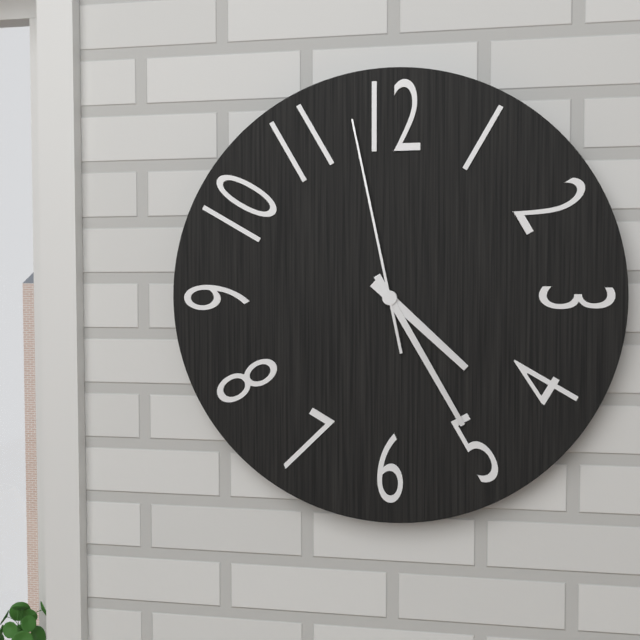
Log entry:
4 h 25 min 58 s
